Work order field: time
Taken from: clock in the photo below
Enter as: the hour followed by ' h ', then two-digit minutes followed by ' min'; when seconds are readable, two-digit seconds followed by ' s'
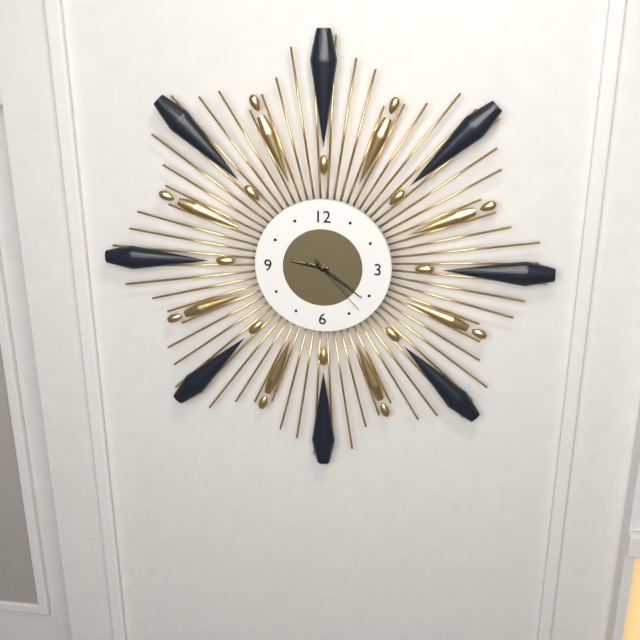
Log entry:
9 h 21 min 23 s
